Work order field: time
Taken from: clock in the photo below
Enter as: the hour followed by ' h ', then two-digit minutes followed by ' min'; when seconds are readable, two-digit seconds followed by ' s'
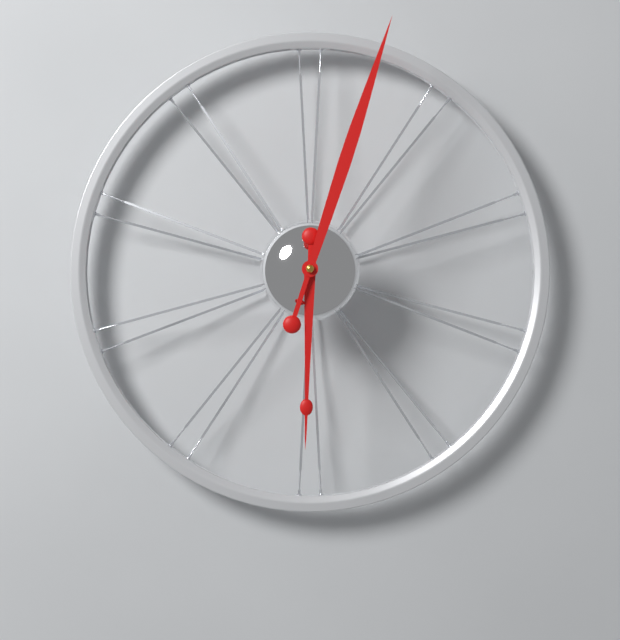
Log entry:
6 h 03 min
